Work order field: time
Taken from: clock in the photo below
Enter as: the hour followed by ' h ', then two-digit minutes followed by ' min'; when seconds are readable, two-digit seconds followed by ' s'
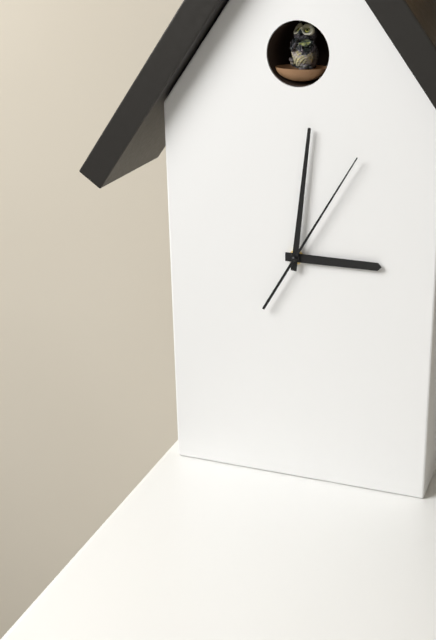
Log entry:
3 h 01 min 05 s
